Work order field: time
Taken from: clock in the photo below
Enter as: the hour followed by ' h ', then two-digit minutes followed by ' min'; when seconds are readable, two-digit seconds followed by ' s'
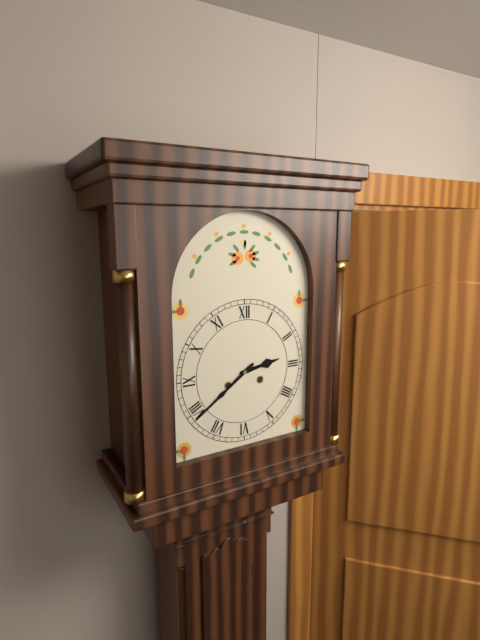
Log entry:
2 h 39 min
